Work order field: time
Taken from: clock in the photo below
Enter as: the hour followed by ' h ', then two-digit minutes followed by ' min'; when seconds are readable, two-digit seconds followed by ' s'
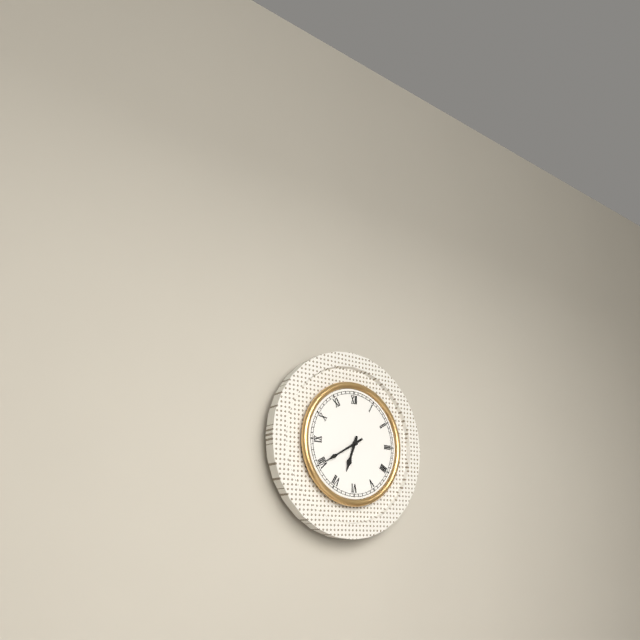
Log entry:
6 h 40 min
